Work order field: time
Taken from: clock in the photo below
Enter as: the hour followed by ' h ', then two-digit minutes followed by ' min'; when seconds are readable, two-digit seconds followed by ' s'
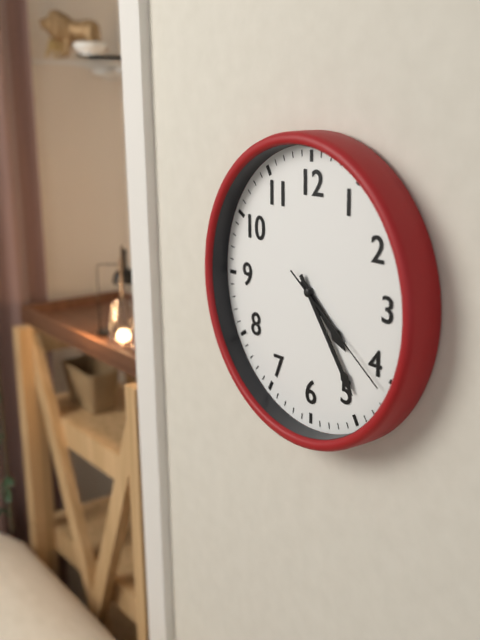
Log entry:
4 h 24 min 21 s
